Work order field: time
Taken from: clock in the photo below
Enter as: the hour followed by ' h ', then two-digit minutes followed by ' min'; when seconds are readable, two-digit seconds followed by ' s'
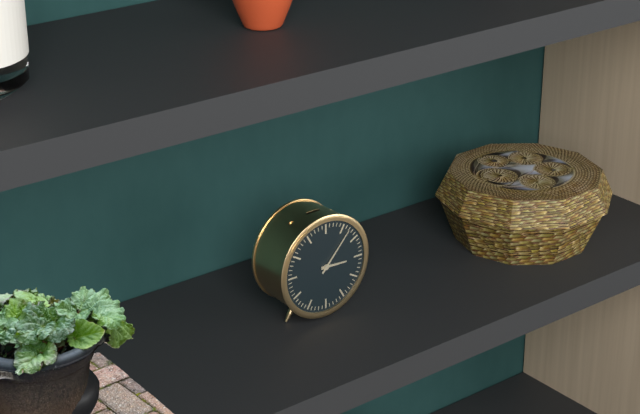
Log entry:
3 h 07 min
